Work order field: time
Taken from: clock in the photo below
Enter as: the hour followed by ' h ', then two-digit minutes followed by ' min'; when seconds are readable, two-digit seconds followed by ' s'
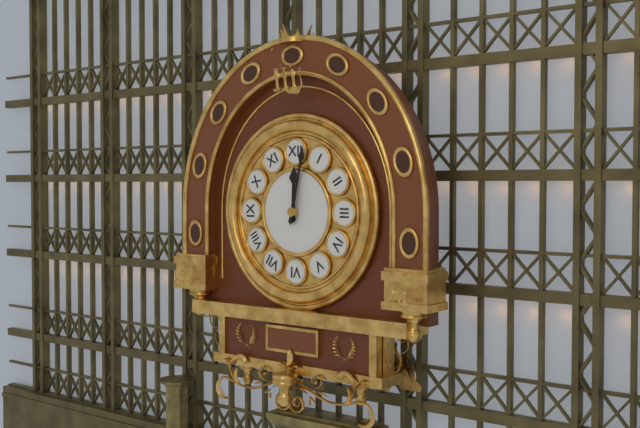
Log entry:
12 h 02 min
